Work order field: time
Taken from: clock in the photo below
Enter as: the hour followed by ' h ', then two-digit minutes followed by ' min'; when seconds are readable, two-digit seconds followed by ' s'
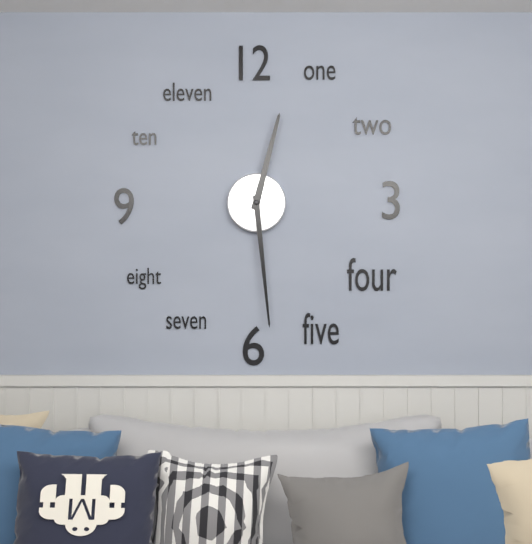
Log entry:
12 h 29 min
